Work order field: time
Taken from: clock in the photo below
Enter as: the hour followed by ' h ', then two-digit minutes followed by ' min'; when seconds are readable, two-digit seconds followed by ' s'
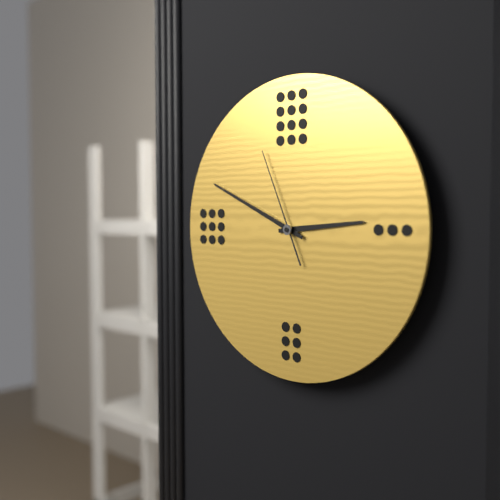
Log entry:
2 h 49 min 56 s
